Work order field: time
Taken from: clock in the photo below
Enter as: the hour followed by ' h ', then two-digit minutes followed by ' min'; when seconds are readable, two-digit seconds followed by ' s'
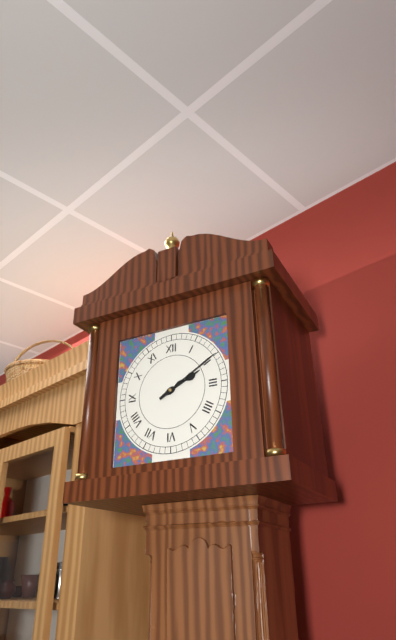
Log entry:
2 h 10 min
